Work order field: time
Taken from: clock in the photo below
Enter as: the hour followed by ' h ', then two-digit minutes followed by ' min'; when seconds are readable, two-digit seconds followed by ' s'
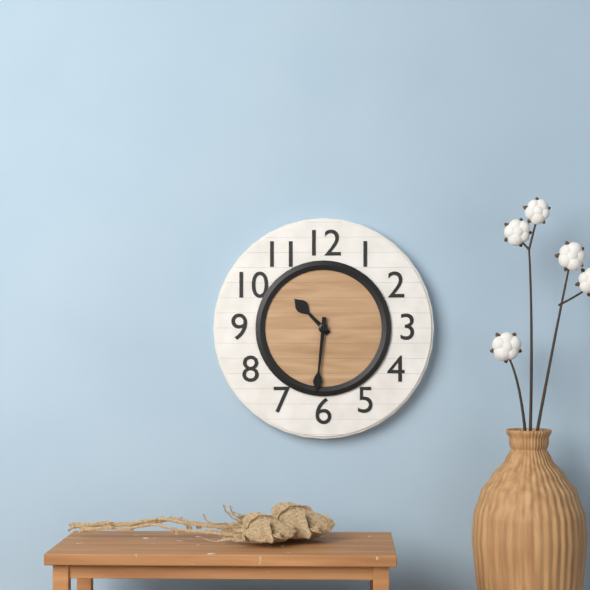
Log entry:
10 h 31 min
